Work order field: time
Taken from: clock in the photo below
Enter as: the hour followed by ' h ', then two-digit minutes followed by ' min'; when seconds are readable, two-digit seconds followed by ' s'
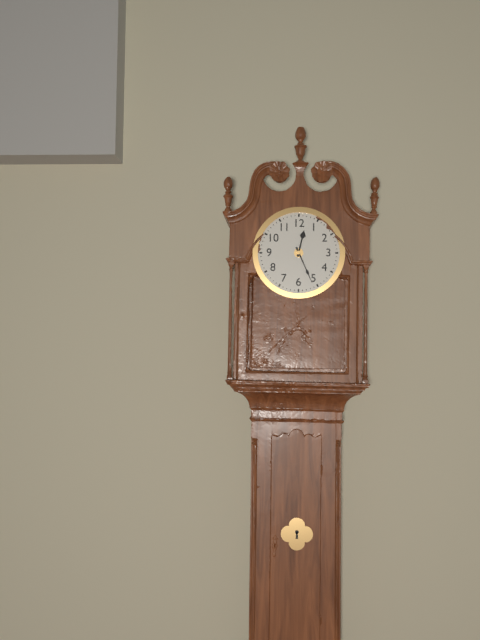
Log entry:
12 h 26 min
